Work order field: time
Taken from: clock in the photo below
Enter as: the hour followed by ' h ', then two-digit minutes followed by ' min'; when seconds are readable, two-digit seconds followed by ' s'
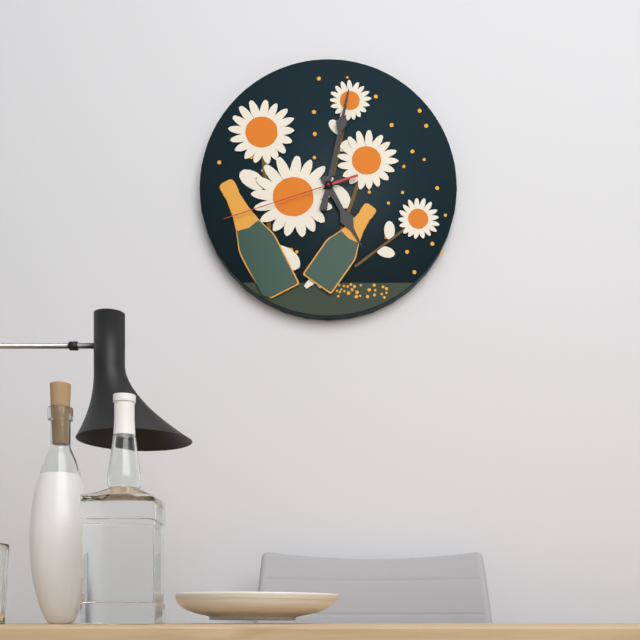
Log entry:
5 h 02 min 42 s
